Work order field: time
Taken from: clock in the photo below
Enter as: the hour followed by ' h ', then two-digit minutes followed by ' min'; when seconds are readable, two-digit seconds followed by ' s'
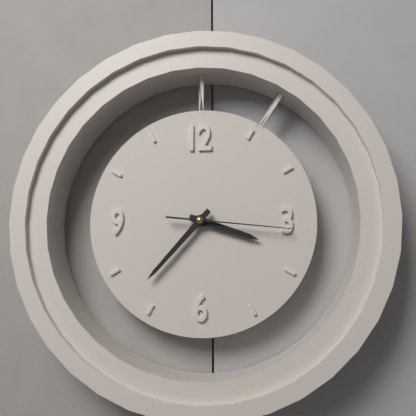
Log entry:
3 h 37 min 16 s
